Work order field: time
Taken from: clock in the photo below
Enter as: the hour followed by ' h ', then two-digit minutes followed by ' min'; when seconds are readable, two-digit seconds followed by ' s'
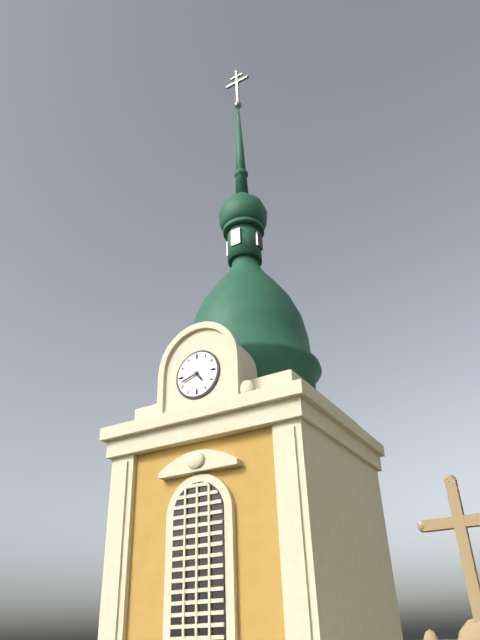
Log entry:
4 h 42 min
